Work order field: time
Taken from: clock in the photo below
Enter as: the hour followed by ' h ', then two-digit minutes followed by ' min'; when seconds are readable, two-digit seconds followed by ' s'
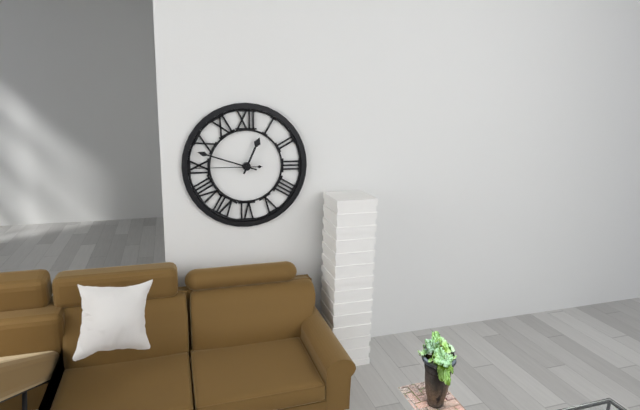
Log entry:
12 h 48 min 45 s
